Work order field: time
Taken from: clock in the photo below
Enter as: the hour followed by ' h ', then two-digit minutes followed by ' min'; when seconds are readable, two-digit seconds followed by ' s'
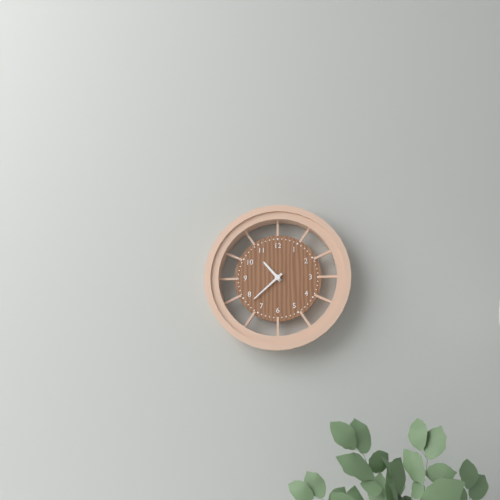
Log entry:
10 h 38 min
